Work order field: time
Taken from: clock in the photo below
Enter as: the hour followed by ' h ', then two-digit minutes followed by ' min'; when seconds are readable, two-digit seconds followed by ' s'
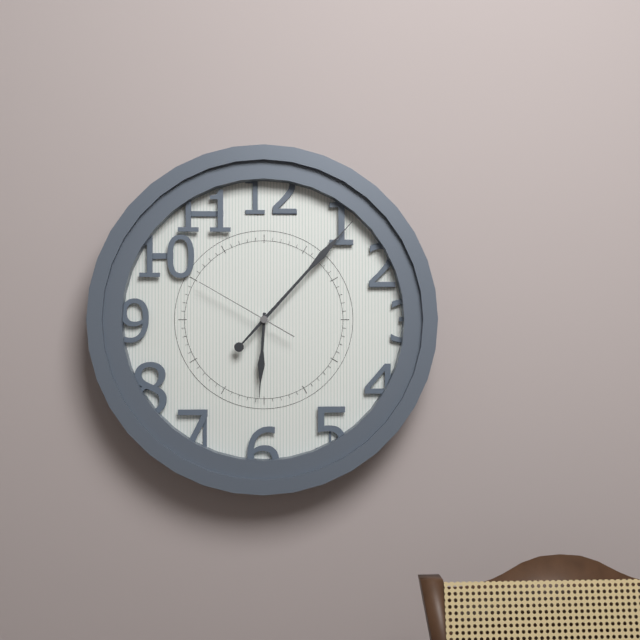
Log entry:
6 h 07 min 50 s
